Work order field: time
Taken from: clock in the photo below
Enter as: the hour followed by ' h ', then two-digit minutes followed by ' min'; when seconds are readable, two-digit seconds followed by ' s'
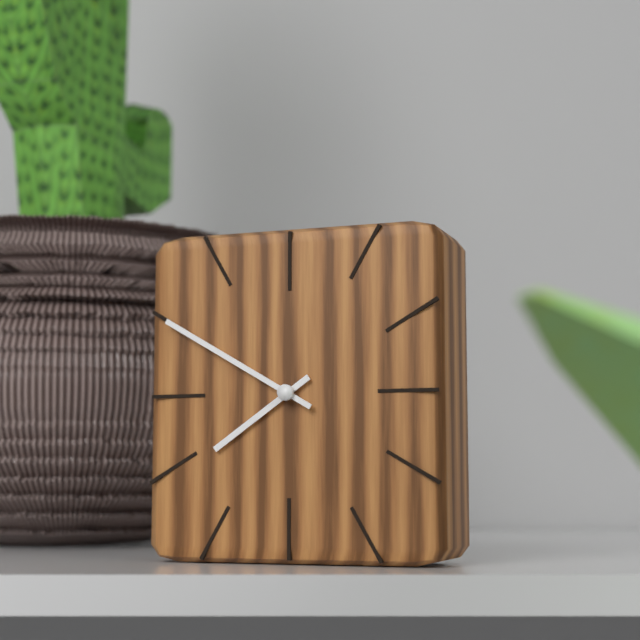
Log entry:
7 h 50 min
